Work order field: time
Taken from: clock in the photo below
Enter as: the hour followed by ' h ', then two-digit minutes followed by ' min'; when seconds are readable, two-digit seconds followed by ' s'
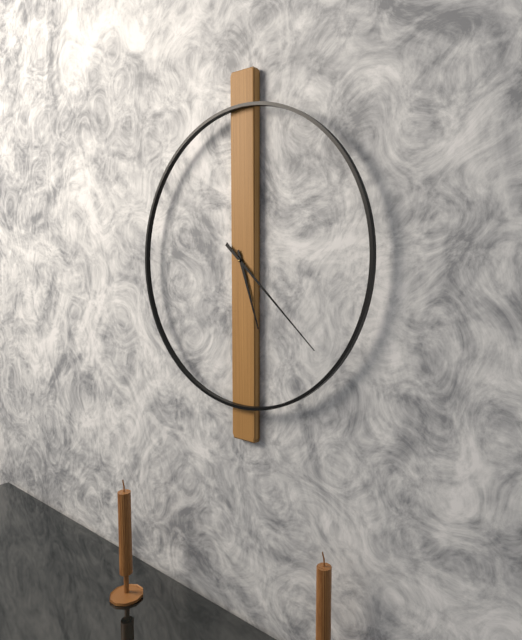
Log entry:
5 h 22 min
